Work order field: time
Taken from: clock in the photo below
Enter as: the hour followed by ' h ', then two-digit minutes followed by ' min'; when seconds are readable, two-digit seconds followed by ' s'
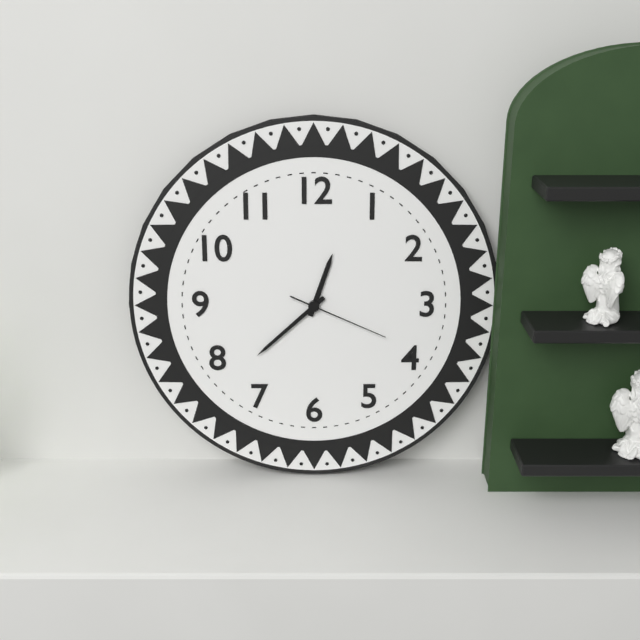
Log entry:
12 h 38 min 19 s
